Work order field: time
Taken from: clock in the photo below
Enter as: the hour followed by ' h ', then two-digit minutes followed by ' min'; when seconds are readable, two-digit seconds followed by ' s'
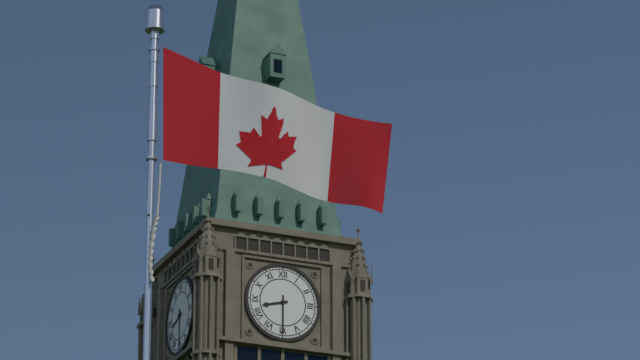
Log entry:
8 h 30 min
